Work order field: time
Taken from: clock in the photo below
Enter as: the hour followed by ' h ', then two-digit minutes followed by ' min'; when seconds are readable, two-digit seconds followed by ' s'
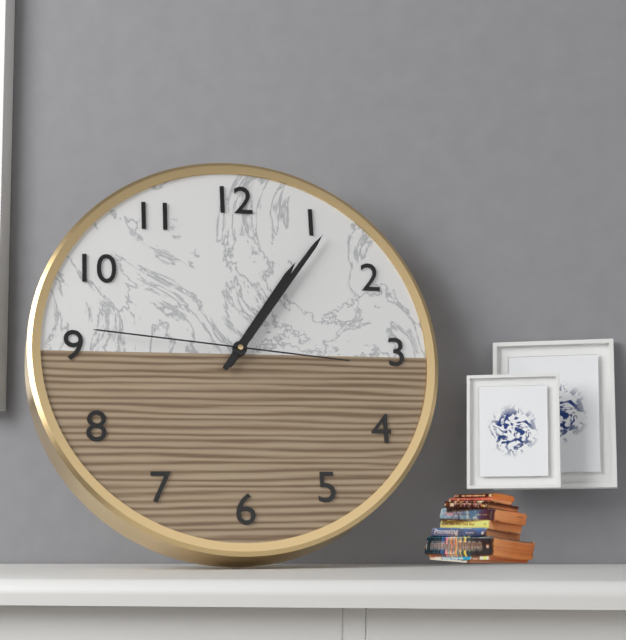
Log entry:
1 h 06 min 46 s
